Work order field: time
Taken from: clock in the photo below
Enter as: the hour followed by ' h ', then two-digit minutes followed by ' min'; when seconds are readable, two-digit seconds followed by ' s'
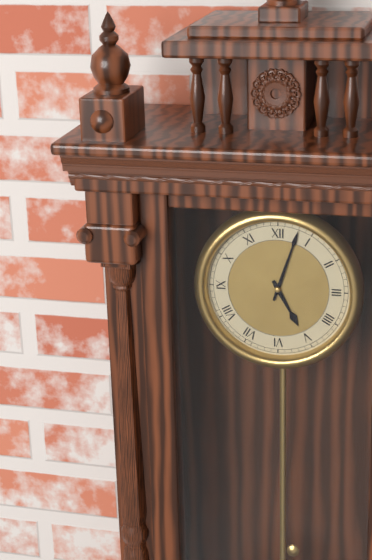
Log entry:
5 h 03 min
